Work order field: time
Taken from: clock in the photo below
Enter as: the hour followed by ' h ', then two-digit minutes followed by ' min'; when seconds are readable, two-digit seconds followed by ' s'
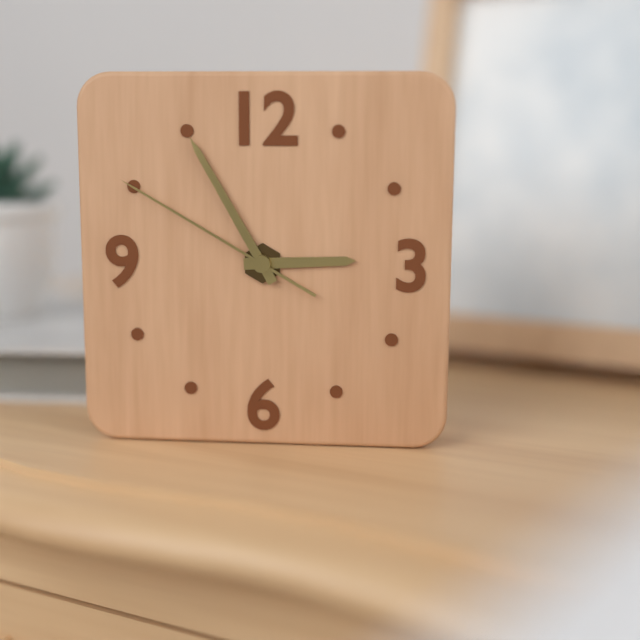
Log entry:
2 h 55 min 50 s
